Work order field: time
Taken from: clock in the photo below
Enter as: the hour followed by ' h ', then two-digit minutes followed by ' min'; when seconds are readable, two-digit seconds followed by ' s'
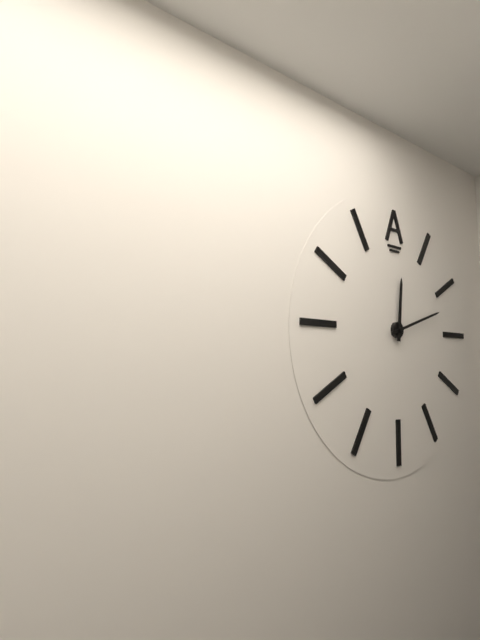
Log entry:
12 h 12 min
